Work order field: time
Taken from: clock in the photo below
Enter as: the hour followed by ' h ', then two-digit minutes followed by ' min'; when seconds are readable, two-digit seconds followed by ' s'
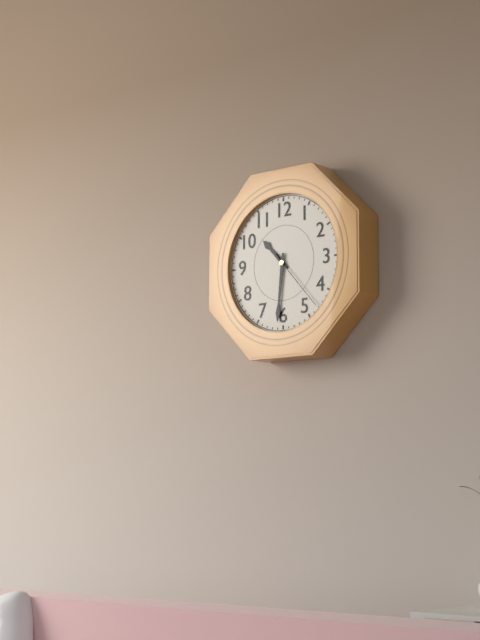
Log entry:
10 h 31 min 23 s
